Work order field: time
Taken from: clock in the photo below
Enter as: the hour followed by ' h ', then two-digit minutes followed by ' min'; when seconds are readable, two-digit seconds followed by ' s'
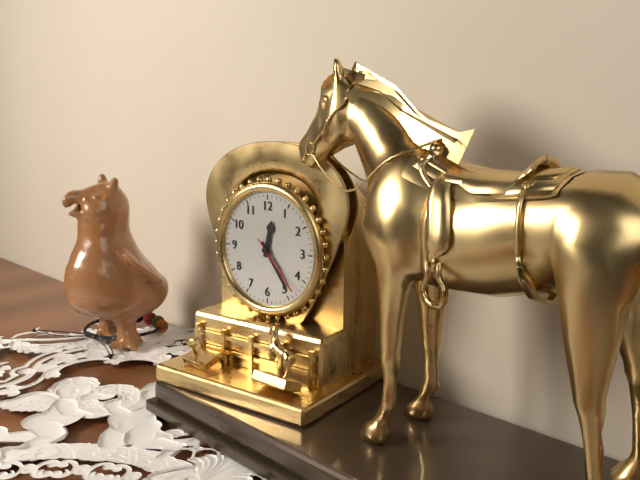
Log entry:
12 h 24 min 23 s
